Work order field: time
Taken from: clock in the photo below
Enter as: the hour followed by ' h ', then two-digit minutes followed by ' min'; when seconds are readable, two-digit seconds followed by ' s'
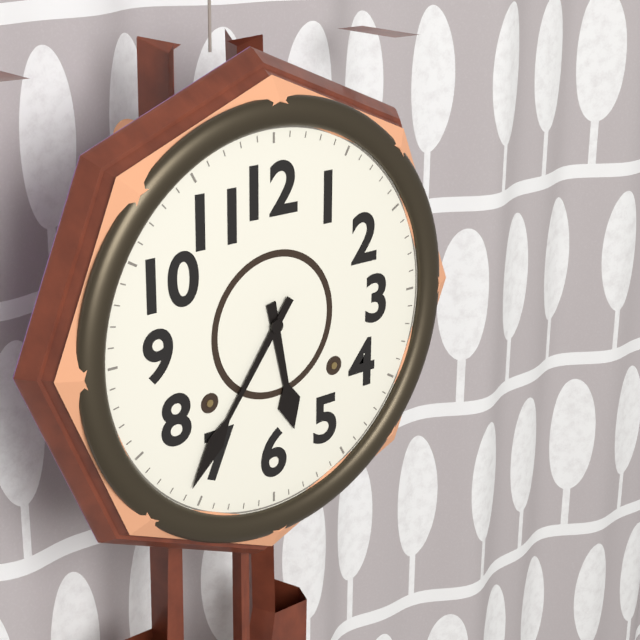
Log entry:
5 h 36 min
